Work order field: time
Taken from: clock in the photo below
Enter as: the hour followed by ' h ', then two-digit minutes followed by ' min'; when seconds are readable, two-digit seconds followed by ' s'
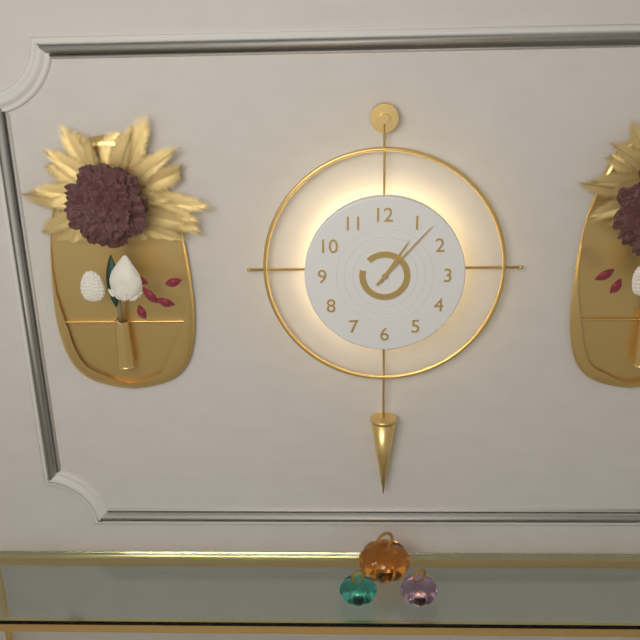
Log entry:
1 h 07 min
